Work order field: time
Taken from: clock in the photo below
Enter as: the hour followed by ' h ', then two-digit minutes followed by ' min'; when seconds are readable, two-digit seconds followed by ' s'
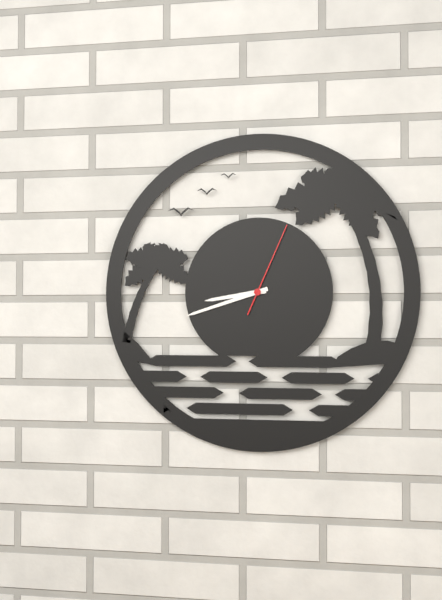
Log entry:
8 h 42 min 04 s
